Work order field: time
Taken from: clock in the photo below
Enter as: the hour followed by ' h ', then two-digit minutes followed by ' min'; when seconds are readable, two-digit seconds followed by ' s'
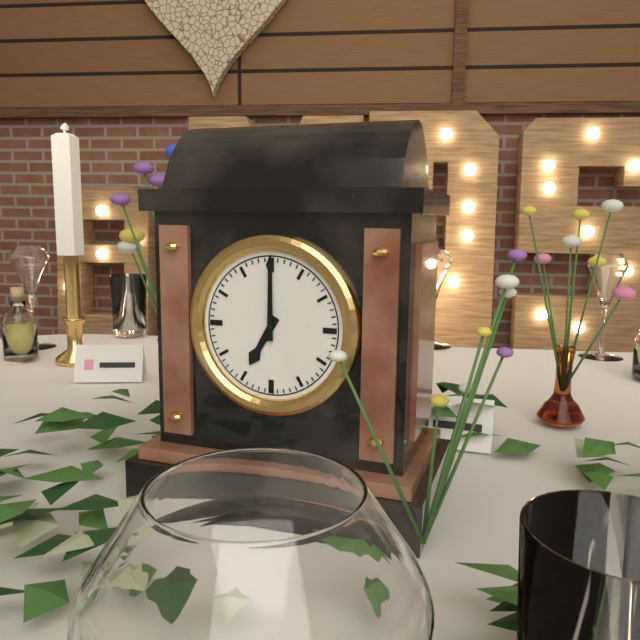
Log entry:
7 h 00 min
